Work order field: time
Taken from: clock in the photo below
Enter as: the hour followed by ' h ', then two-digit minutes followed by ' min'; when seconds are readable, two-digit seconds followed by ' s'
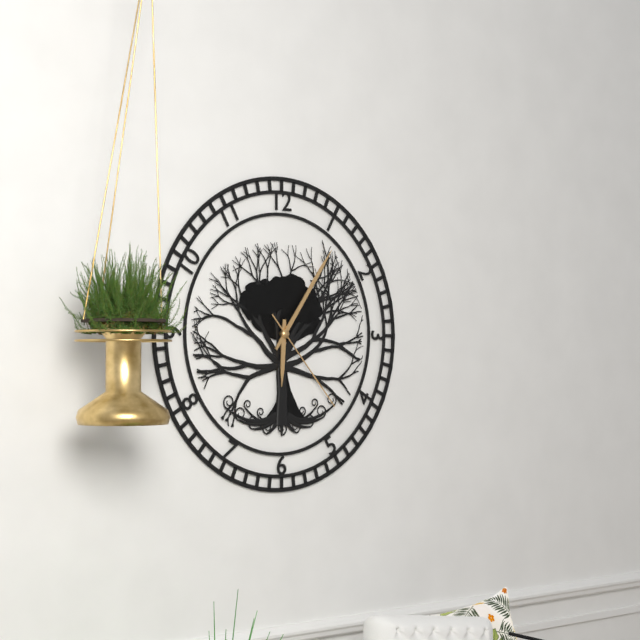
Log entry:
6 h 06 min 23 s
